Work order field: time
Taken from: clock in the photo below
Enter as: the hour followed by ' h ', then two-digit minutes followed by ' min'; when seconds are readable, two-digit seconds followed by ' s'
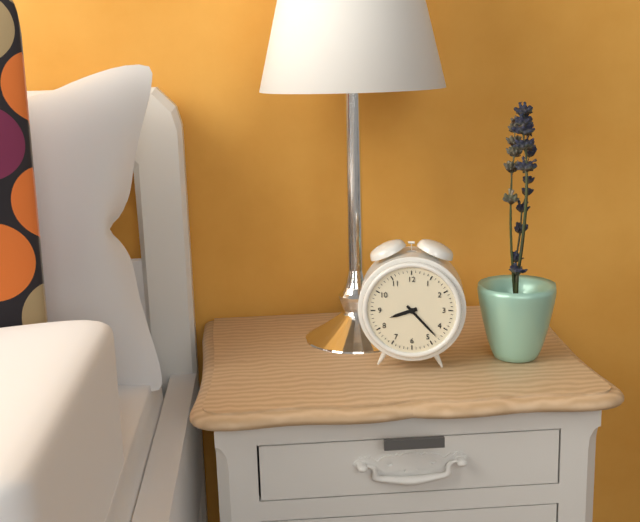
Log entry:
8 h 23 min
